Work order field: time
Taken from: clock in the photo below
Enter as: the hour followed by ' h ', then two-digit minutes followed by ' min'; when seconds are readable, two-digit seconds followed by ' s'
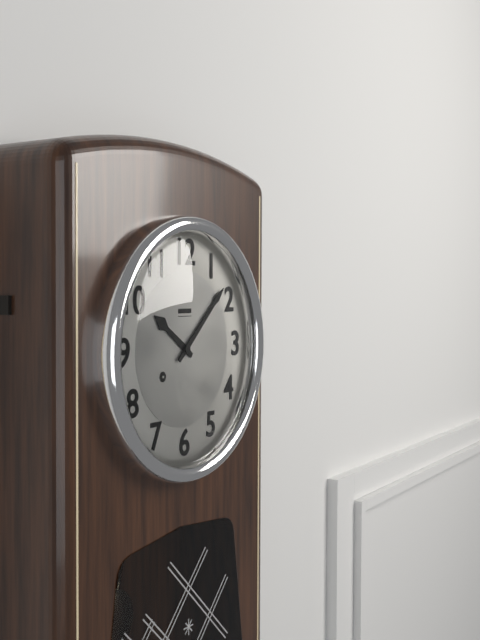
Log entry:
10 h 08 min
